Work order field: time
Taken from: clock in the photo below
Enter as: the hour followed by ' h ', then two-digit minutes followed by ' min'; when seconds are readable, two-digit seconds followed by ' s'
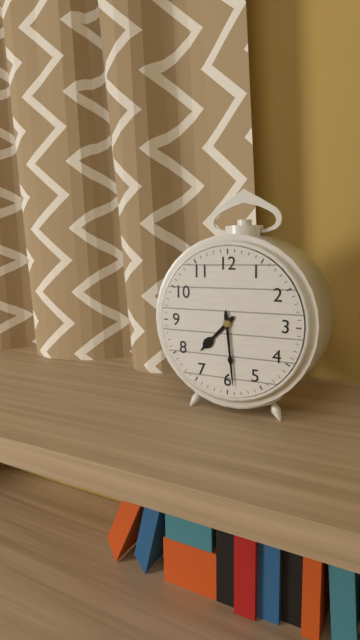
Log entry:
7 h 29 min
